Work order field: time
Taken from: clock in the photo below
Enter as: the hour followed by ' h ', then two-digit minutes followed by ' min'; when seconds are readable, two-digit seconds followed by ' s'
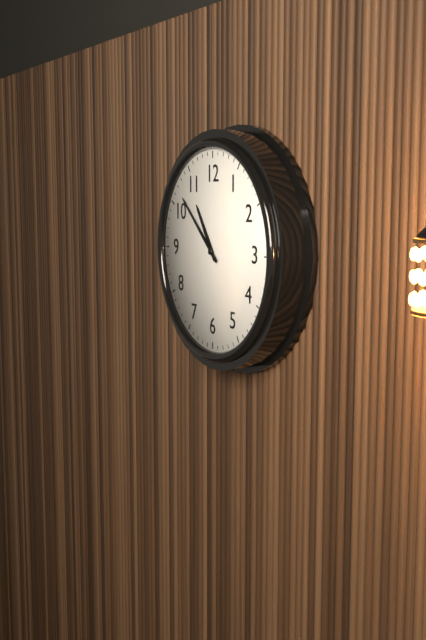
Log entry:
10 h 52 min
